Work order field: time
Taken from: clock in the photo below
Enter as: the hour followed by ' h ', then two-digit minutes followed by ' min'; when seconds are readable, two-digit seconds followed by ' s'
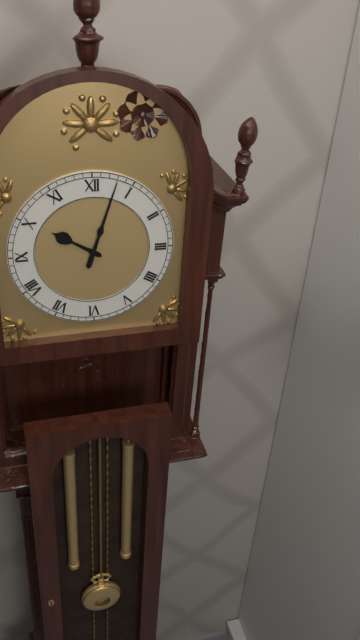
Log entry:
10 h 03 min
